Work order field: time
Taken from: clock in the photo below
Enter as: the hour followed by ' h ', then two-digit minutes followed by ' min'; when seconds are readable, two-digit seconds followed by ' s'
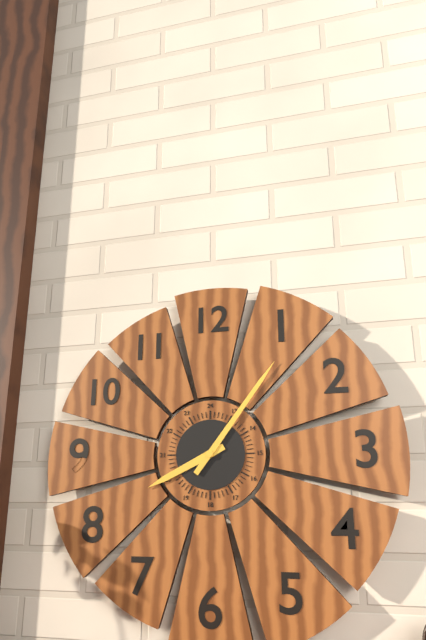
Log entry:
8 h 06 min
